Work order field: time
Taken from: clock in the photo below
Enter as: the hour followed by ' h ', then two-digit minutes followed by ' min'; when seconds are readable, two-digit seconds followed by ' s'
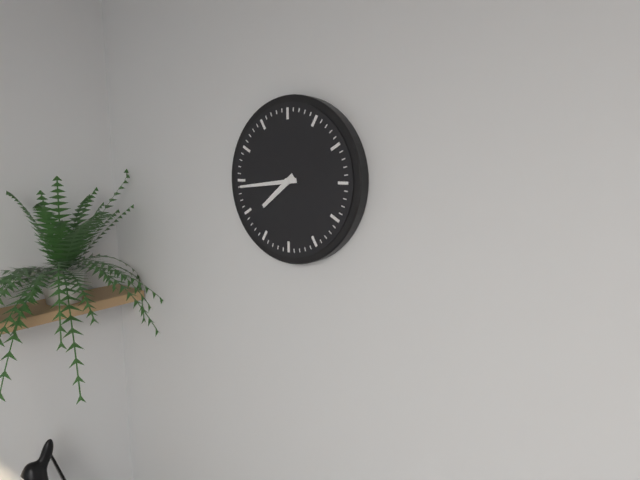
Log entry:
7 h 44 min
